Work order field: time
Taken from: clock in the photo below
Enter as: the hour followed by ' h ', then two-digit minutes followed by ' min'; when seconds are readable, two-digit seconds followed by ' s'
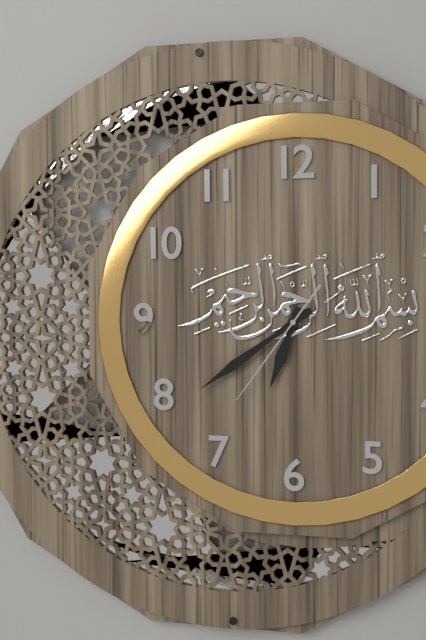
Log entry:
6 h 39 min 36 s
